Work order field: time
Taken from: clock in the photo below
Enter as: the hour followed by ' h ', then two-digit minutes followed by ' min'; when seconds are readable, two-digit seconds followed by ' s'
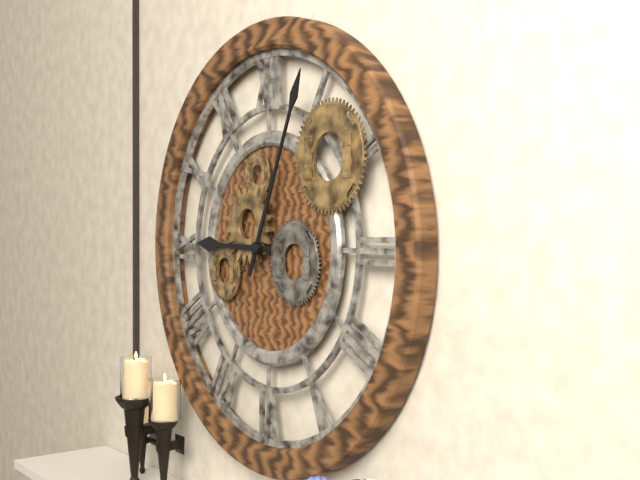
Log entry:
9 h 04 min
